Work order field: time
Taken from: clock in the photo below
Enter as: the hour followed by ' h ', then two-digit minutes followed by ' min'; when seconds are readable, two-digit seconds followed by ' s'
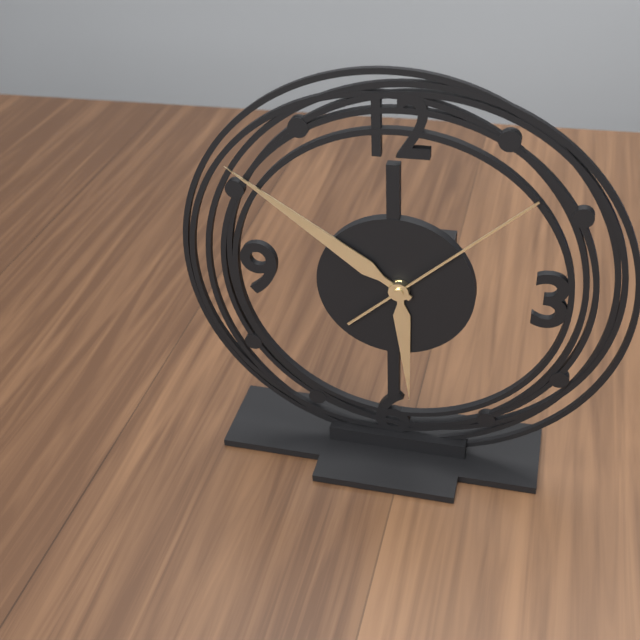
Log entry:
5 h 51 min 08 s
